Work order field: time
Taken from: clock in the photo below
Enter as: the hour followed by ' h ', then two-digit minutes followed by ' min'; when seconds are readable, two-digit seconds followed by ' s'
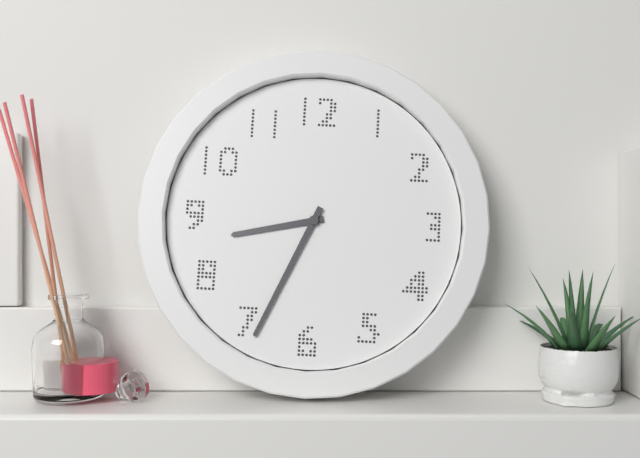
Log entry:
8 h 34 min
